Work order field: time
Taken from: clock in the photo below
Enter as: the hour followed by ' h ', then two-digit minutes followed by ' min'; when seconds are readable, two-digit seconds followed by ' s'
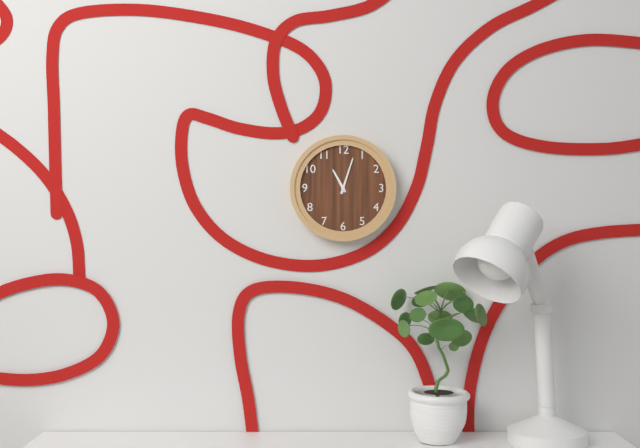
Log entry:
11 h 03 min
